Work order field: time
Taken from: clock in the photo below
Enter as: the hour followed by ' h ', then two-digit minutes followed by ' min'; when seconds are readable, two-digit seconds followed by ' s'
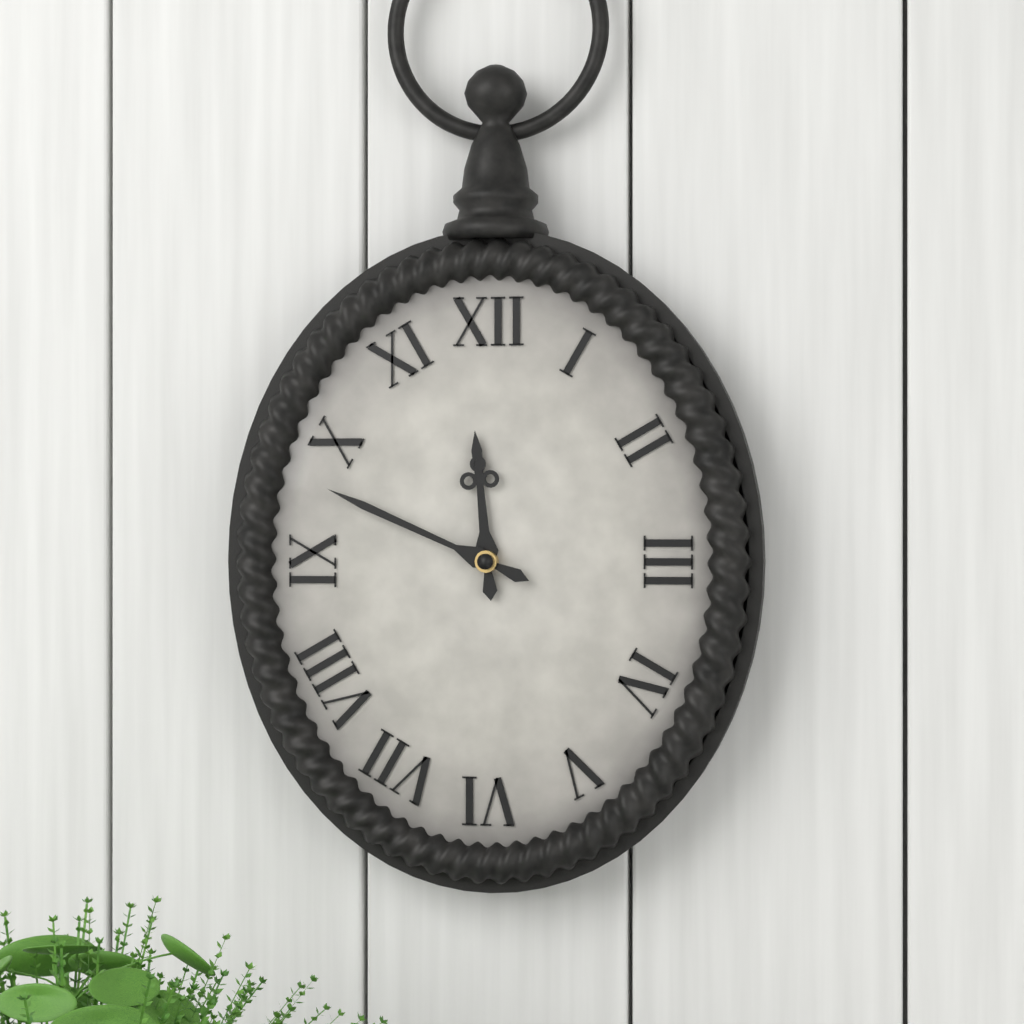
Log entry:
11 h 49 min
